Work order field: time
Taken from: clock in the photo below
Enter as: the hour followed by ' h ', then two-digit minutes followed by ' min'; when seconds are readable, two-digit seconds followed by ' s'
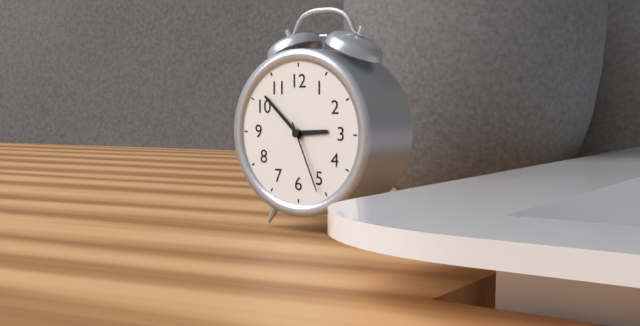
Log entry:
2 h 52 min 26 s
